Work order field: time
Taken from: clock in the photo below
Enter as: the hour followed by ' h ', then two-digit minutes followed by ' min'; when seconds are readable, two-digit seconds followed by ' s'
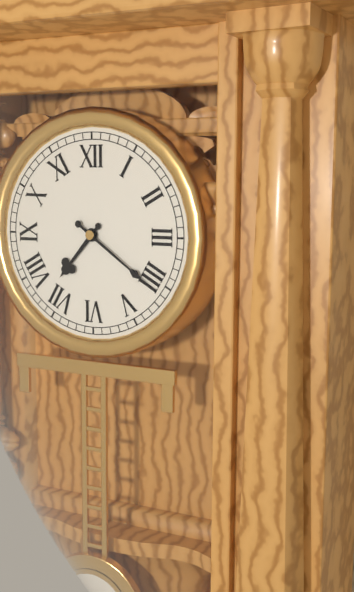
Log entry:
7 h 21 min
